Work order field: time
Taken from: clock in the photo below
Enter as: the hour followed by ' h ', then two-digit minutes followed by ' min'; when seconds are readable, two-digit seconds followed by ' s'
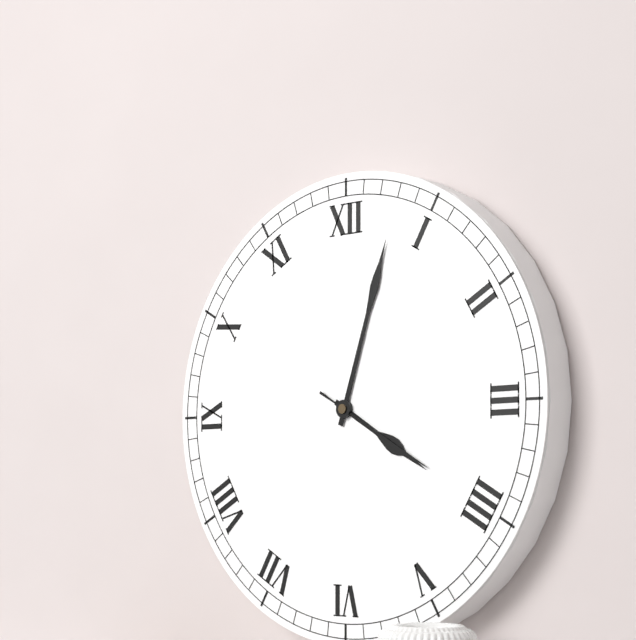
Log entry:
4 h 03 min 20 s
